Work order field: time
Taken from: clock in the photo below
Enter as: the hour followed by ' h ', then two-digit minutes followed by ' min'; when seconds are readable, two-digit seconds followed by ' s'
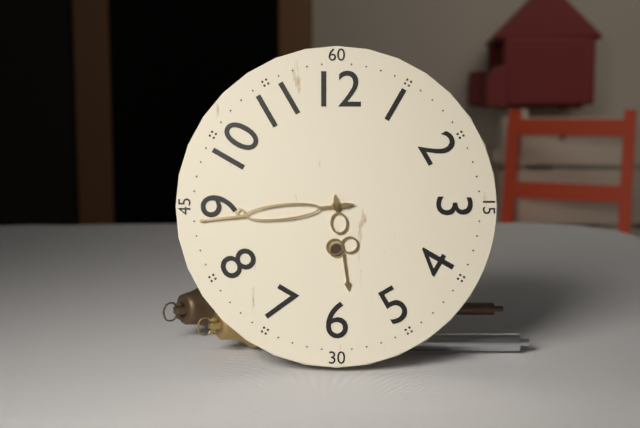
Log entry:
5 h 44 min
